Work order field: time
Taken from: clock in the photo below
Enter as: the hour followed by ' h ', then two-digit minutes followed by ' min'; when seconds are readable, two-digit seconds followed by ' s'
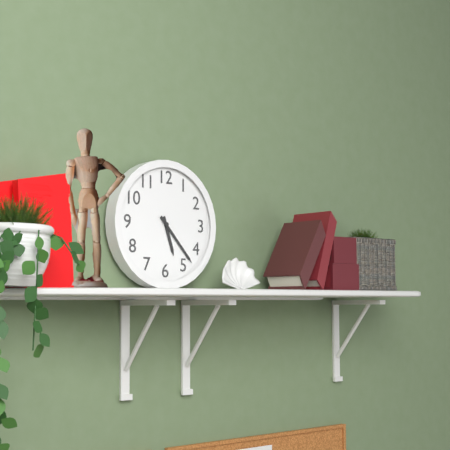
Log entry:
5 h 23 min
